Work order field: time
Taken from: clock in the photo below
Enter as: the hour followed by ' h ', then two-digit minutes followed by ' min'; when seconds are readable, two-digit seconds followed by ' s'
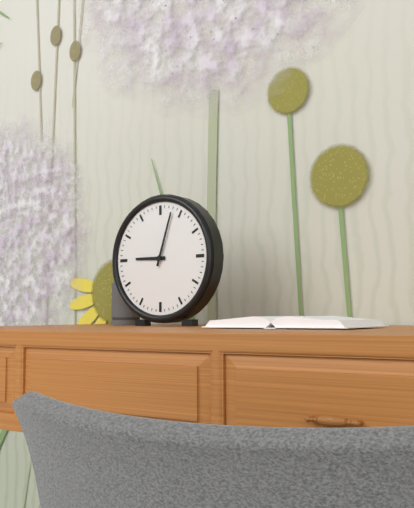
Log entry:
9 h 03 min
